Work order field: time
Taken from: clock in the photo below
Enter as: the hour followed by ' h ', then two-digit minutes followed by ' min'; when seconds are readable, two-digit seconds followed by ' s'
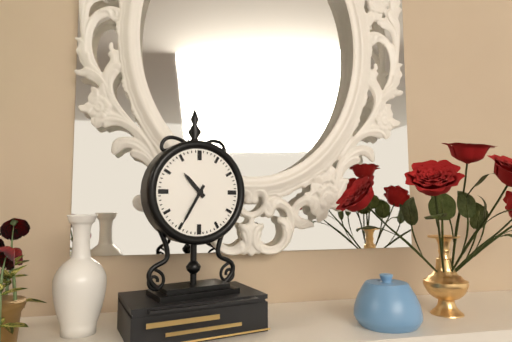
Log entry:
10 h 35 min
